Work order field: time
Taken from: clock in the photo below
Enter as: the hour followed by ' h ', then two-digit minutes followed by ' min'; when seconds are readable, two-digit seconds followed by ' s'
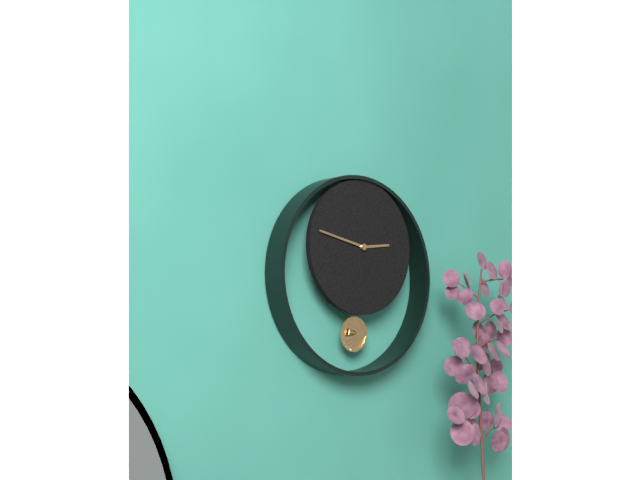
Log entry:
2 h 47 min
